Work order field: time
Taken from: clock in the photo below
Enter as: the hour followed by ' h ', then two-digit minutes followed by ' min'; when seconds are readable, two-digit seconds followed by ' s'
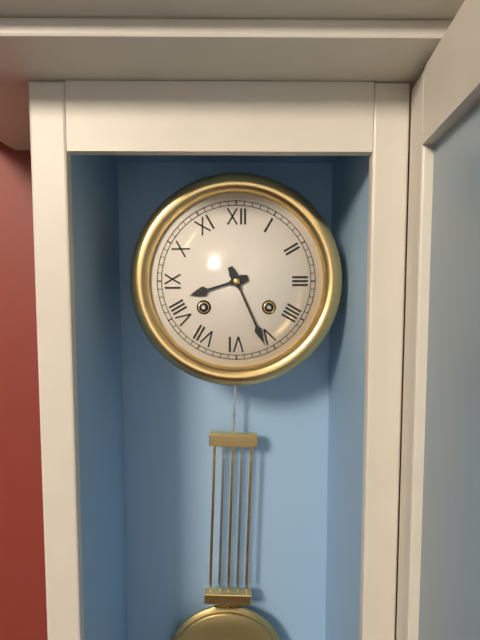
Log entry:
8 h 26 min
